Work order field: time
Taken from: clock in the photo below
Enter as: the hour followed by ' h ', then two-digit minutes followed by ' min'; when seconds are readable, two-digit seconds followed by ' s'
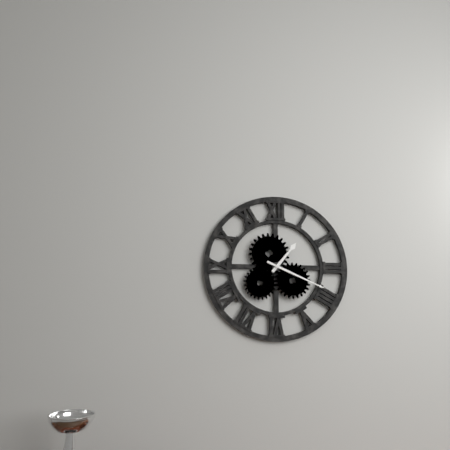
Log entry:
1 h 19 min
